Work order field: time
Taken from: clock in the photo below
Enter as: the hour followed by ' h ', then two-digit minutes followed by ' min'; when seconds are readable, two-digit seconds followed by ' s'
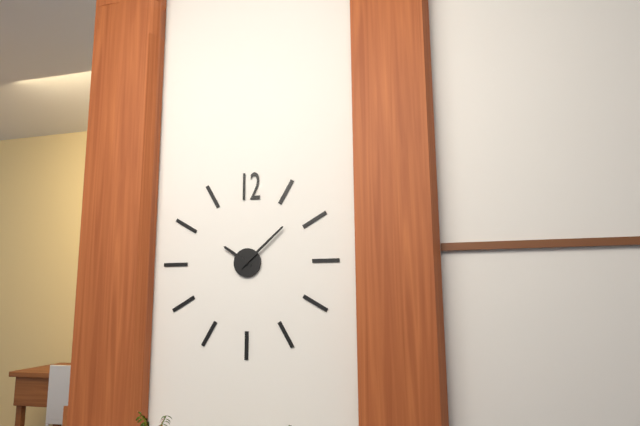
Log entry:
10 h 08 min
